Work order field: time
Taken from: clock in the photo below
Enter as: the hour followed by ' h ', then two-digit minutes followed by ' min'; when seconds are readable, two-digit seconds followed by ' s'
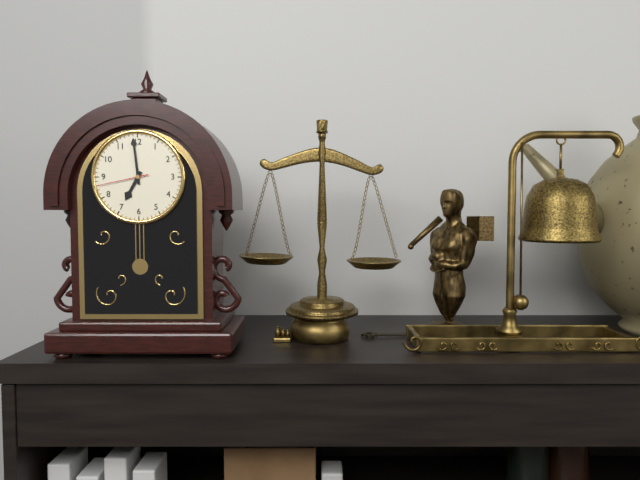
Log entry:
6 h 59 min 43 s
